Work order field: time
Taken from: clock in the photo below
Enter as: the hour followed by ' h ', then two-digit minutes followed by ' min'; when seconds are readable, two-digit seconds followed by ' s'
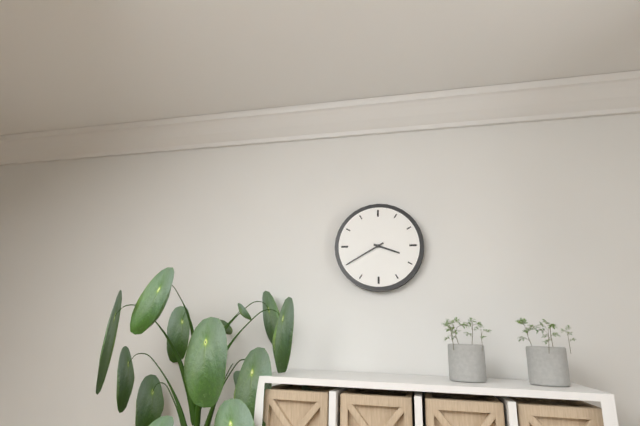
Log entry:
3 h 40 min
